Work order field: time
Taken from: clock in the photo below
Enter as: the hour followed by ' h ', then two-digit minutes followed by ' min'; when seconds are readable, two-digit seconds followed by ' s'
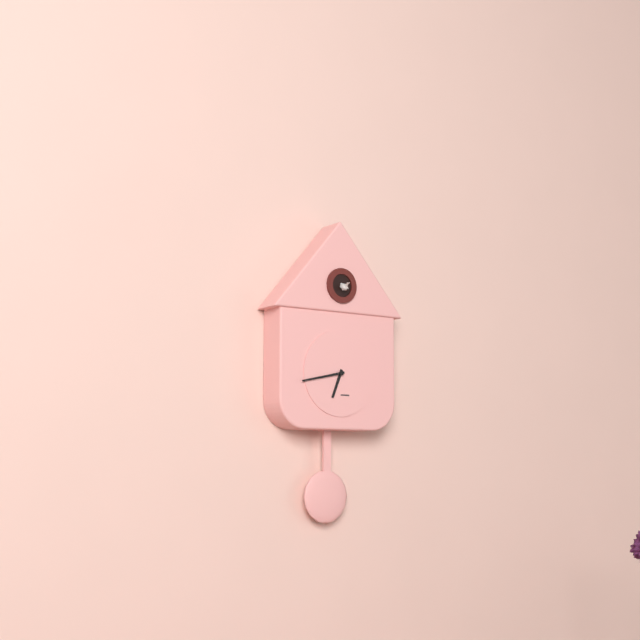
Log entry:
6 h 43 min
